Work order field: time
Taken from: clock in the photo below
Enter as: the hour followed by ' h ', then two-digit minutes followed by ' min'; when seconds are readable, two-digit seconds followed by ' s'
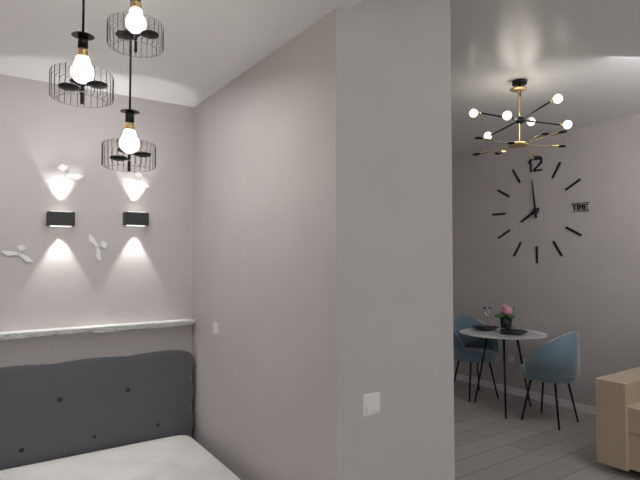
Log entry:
7 h 59 min
